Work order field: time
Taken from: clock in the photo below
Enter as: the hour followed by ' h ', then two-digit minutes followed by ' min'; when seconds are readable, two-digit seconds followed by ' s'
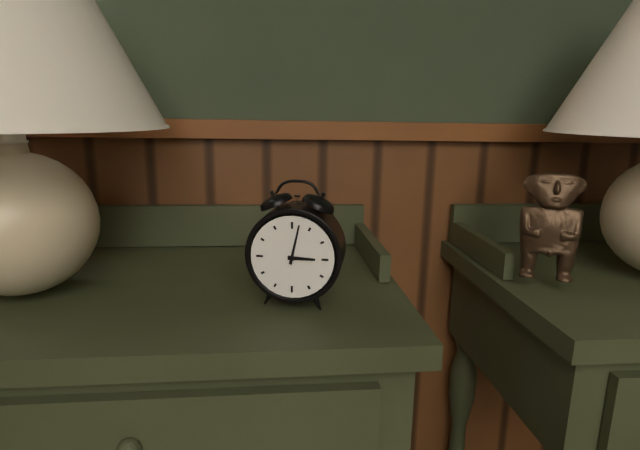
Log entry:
3 h 02 min
